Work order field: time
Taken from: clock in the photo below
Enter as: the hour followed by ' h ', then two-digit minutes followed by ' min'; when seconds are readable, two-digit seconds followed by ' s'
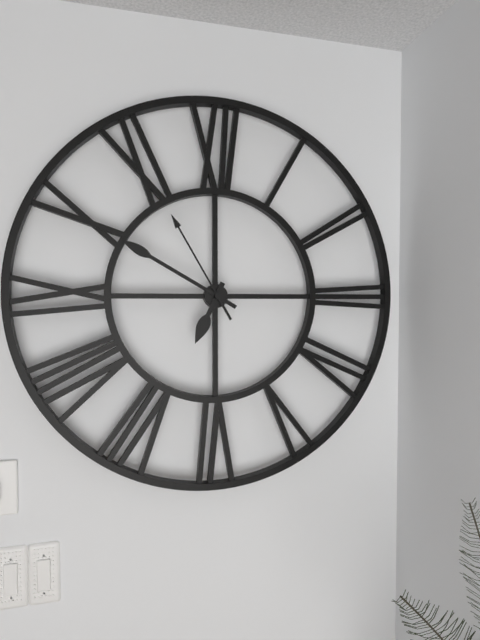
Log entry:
6 h 50 min 55 s
